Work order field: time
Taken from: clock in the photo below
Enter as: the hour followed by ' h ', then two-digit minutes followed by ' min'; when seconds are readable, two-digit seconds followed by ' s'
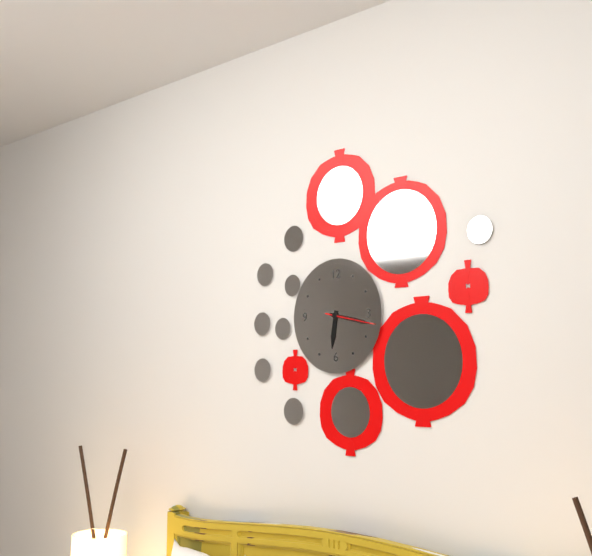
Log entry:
6 h 17 min
